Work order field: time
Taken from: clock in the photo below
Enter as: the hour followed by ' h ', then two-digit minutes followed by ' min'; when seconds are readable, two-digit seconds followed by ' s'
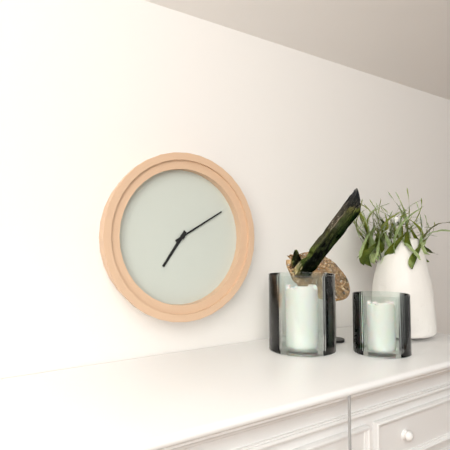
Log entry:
7 h 10 min
